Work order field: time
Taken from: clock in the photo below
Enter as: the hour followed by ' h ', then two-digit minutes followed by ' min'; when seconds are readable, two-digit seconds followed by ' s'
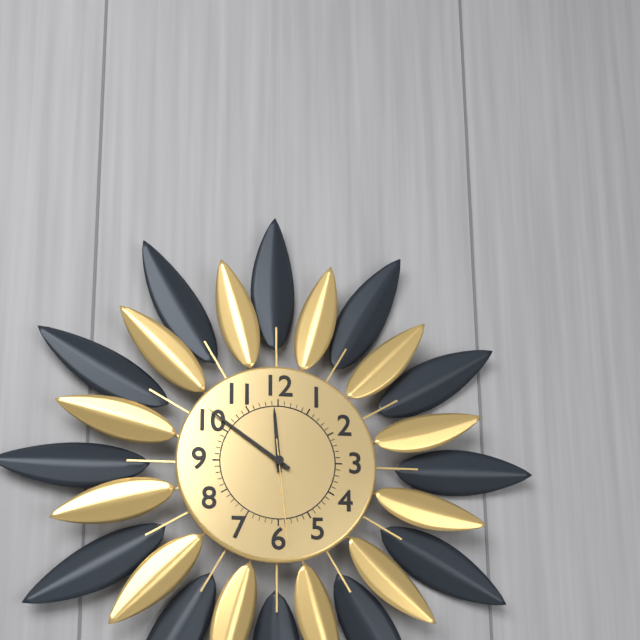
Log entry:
11 h 51 min 29 s
